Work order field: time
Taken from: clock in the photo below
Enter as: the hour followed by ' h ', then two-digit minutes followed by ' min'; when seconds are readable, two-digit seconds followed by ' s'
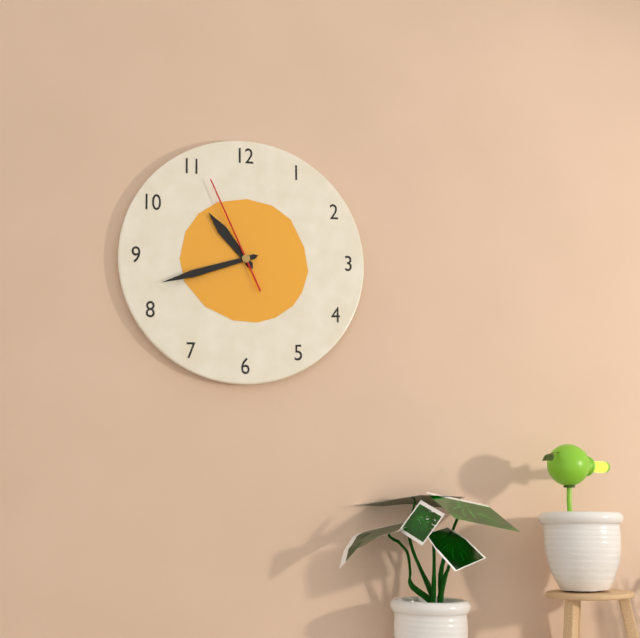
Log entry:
10 h 42 min 56 s
